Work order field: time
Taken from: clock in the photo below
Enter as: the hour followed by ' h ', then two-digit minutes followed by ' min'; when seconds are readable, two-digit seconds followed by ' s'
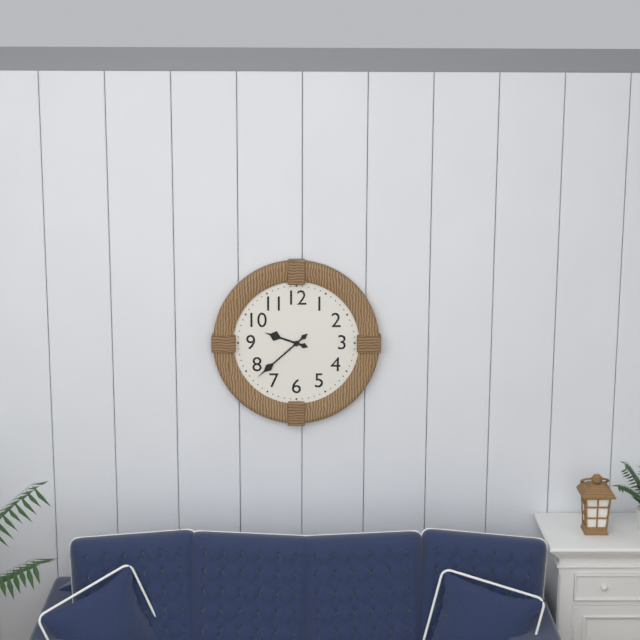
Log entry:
9 h 38 min
